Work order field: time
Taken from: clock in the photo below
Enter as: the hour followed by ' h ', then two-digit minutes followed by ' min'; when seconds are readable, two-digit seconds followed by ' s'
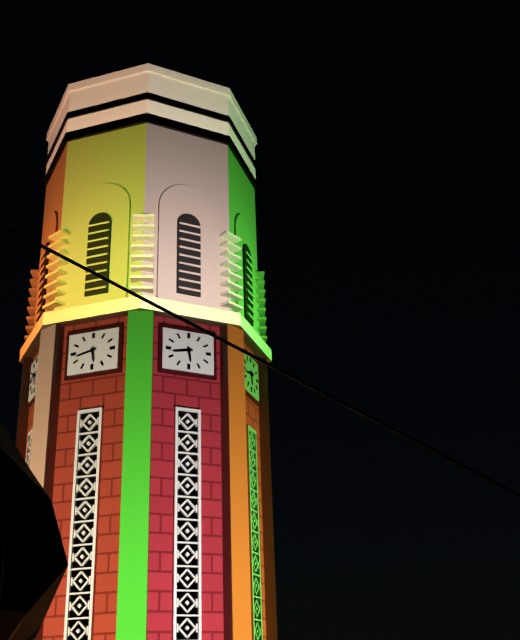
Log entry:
5 h 43 min
